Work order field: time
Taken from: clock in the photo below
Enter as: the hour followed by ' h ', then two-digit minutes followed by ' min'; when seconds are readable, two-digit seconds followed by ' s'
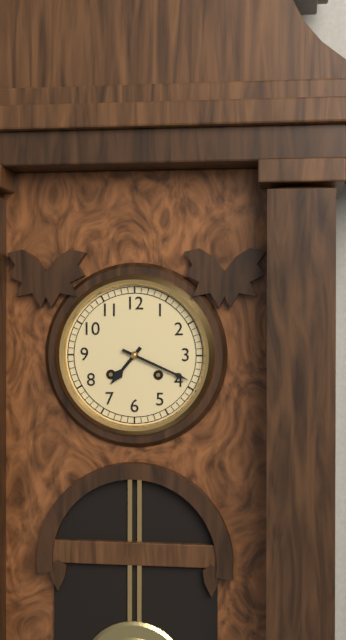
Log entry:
7 h 19 min
